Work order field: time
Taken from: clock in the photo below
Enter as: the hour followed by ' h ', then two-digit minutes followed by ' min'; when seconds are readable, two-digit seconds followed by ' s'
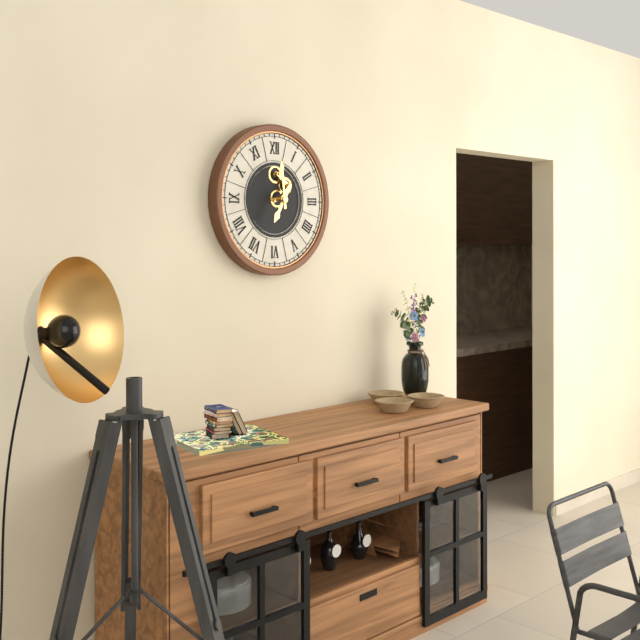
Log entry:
6 h 59 min
